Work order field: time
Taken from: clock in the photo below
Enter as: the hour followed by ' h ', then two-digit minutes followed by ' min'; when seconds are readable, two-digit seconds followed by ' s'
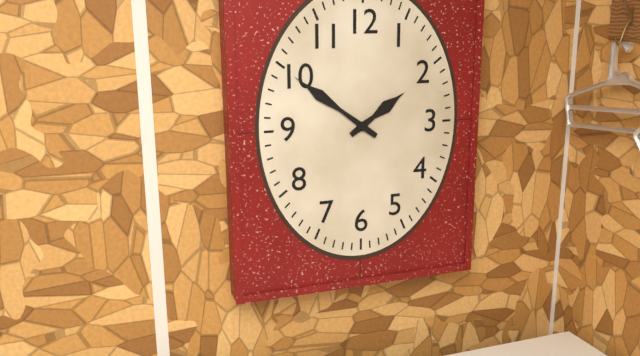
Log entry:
1 h 51 min
